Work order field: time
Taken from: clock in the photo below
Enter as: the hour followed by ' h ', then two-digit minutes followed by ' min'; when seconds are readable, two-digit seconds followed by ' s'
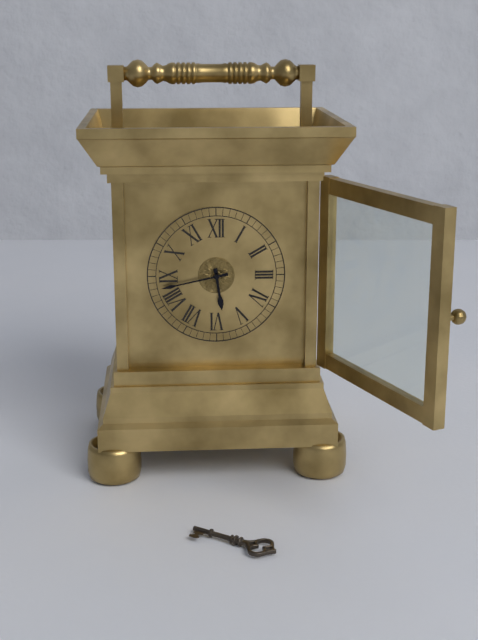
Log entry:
5 h 43 min
